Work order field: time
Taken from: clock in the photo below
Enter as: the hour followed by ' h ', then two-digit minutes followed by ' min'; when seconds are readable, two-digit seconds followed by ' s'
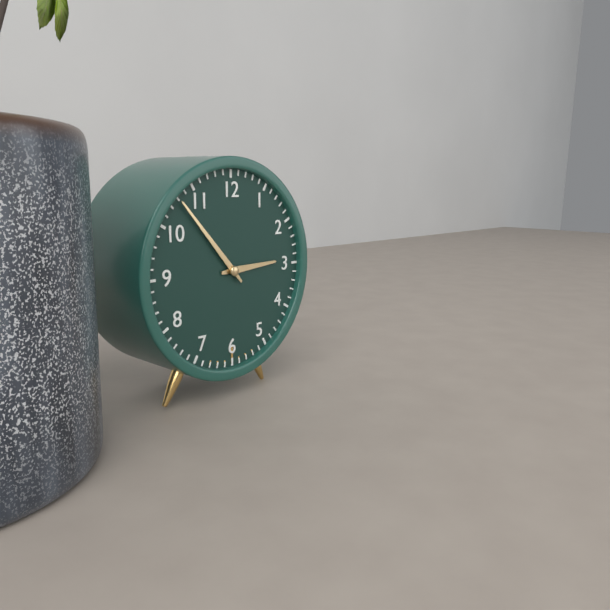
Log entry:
2 h 53 min
